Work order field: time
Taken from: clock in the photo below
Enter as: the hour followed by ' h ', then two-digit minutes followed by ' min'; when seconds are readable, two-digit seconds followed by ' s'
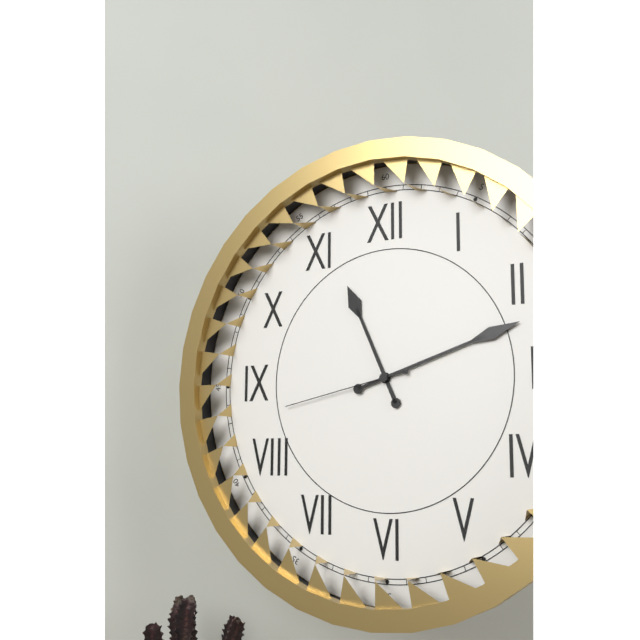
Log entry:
11 h 12 min 43 s
